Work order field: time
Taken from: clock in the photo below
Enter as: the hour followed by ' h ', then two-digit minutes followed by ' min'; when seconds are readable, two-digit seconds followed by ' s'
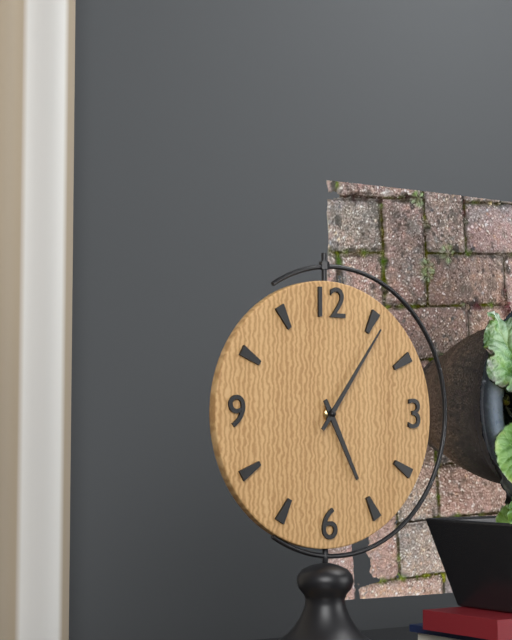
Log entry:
5 h 06 min
